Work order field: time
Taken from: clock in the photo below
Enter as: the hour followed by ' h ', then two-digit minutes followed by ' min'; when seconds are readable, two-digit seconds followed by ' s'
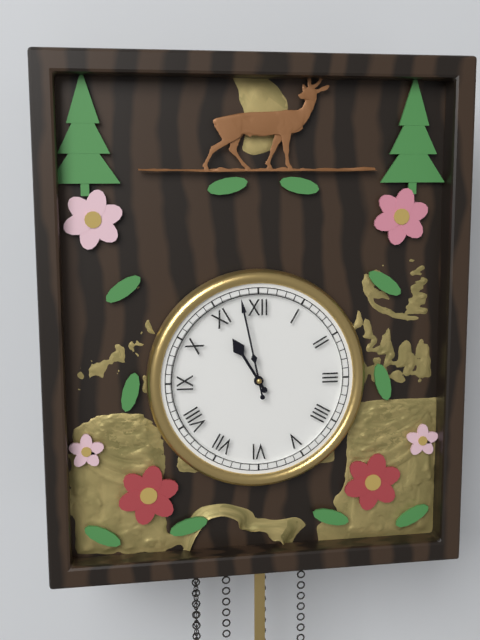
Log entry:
10 h 58 min
